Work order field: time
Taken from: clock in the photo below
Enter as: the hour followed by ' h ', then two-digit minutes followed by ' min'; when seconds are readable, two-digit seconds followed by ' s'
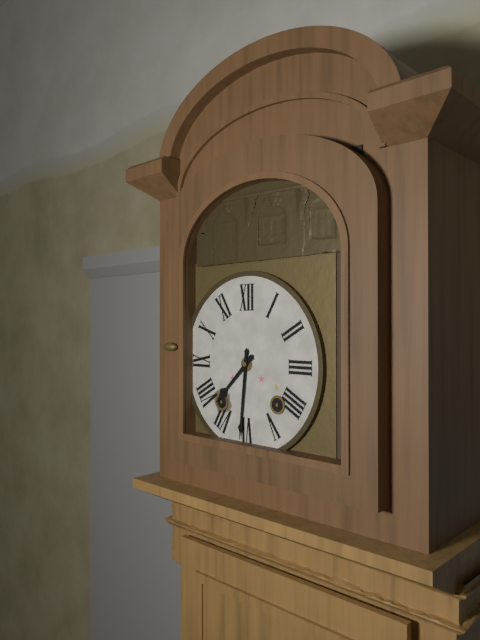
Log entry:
7 h 31 min
